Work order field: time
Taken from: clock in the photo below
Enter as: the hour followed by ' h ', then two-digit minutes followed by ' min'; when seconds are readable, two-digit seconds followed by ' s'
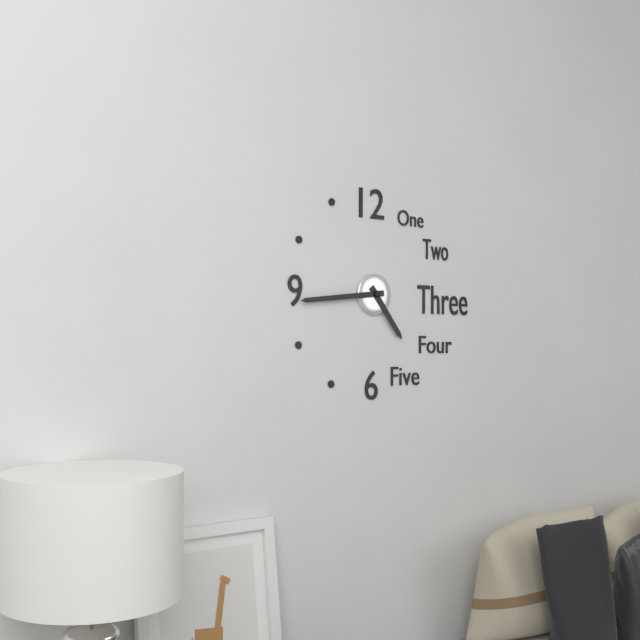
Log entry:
4 h 44 min
